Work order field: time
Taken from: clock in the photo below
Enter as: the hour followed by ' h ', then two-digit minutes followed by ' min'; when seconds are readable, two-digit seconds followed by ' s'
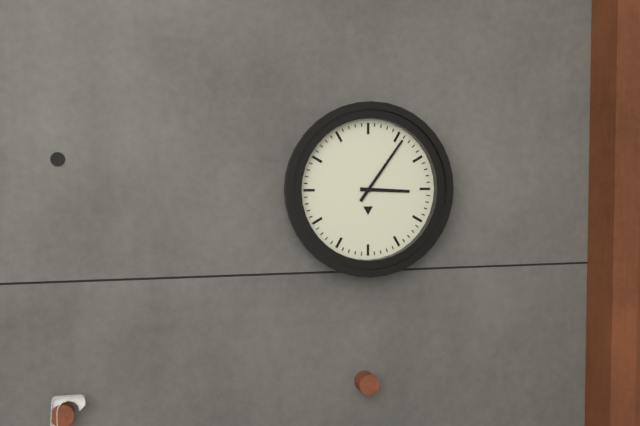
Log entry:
3 h 06 min
